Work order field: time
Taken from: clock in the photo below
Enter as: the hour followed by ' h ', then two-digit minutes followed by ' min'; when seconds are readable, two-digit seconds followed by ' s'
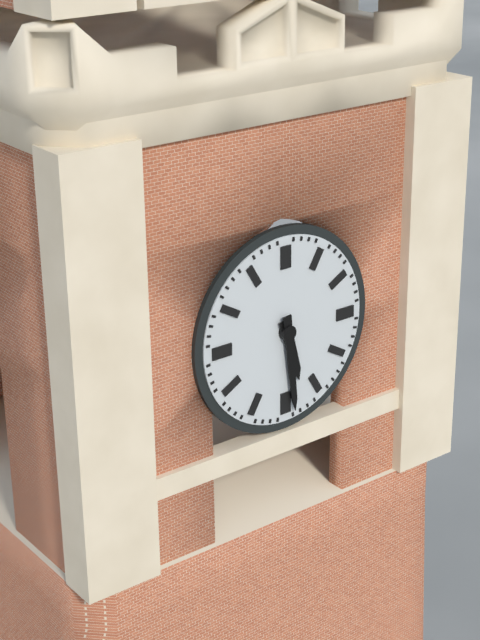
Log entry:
5 h 29 min
